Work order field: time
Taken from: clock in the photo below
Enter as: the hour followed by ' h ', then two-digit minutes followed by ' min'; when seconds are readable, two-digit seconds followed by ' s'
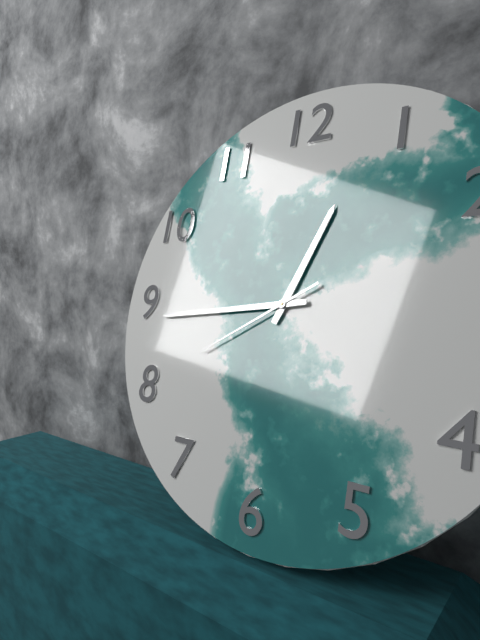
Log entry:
12 h 44 min 40 s
